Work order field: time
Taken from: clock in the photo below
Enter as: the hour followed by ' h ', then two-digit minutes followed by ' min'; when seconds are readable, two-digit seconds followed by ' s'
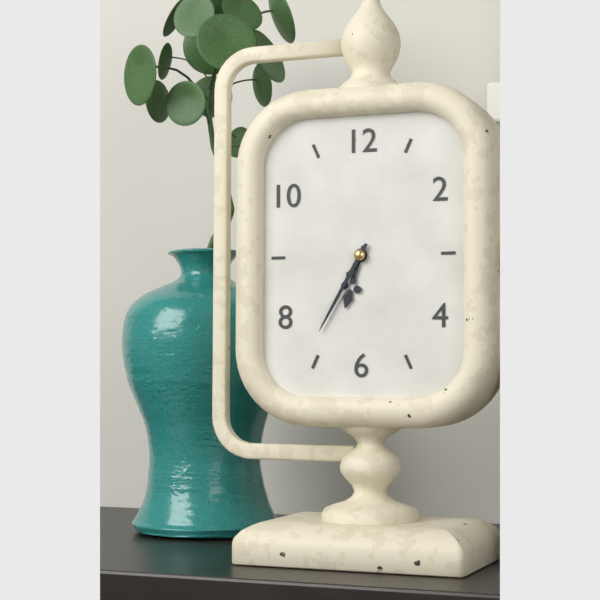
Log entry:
6 h 35 min
